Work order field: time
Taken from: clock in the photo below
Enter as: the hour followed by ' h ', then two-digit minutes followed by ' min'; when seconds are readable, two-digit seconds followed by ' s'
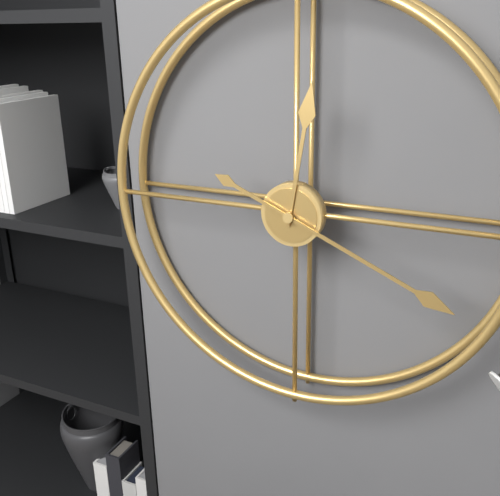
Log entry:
12 h 19 min
